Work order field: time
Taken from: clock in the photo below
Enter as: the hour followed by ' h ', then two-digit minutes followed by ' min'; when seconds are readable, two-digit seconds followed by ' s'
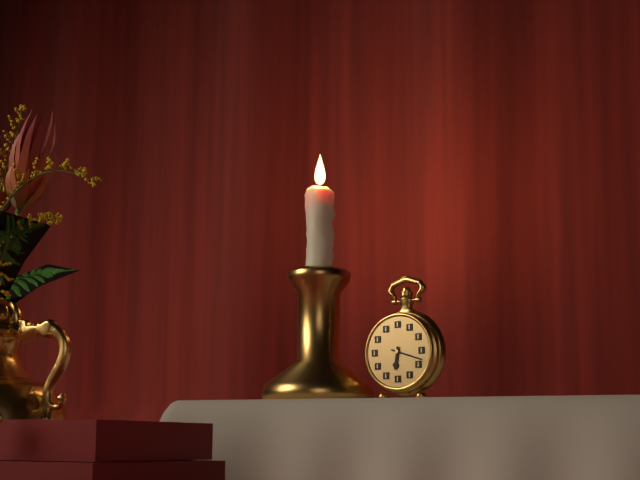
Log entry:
6 h 18 min
